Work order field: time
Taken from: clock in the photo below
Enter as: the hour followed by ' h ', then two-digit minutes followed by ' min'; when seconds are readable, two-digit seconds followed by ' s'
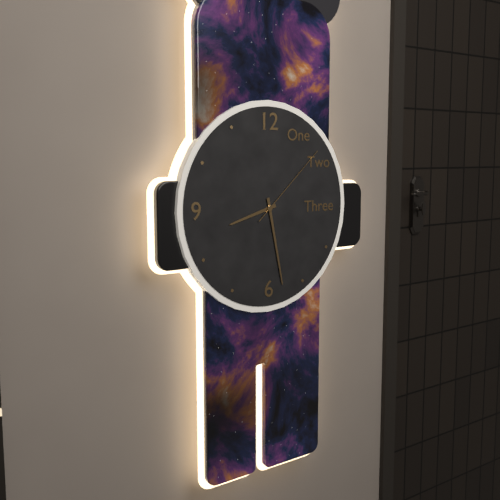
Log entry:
8 h 28 min 08 s
